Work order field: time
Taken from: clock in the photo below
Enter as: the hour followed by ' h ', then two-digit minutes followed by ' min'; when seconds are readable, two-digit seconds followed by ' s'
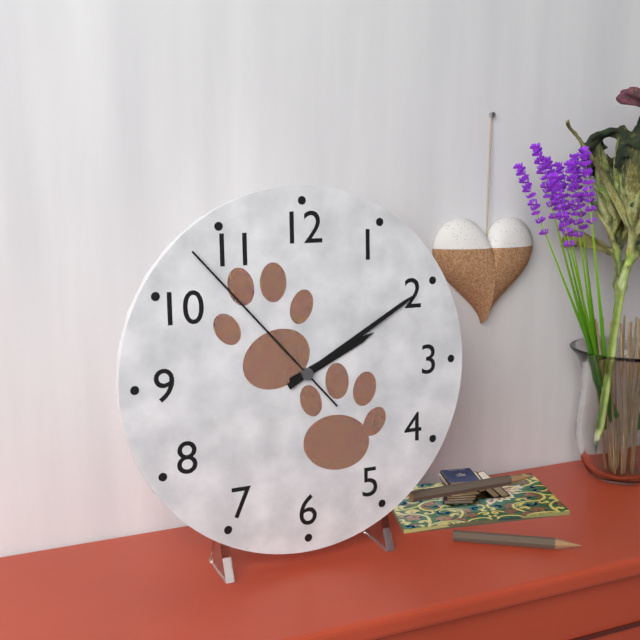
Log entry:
2 h 10 min 53 s
